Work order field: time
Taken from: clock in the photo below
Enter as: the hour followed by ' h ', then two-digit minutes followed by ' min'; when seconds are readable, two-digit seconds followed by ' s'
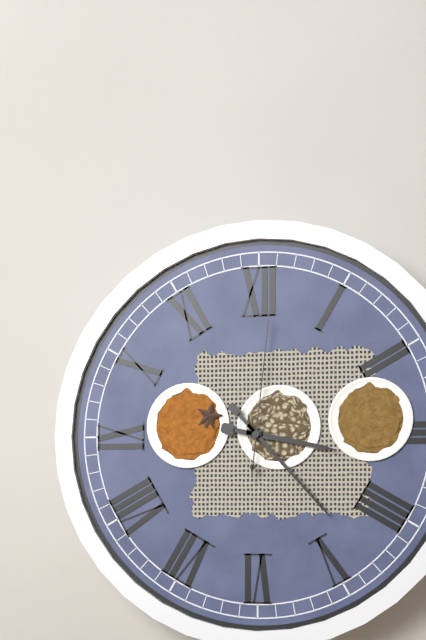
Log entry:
3 h 23 min 01 s
